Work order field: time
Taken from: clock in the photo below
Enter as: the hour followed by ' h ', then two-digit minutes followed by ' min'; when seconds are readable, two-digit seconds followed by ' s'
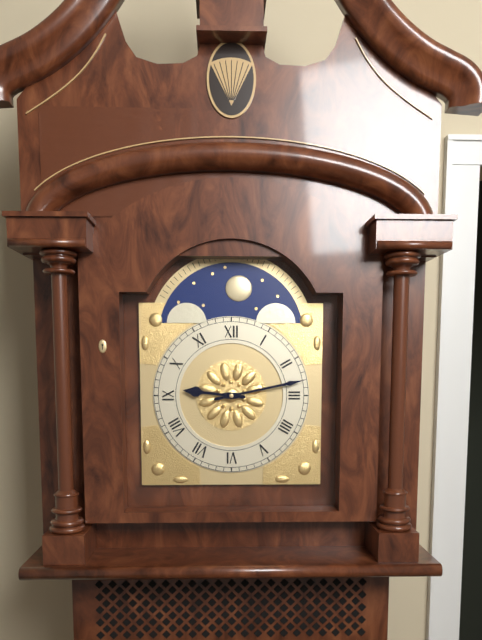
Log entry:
9 h 13 min
